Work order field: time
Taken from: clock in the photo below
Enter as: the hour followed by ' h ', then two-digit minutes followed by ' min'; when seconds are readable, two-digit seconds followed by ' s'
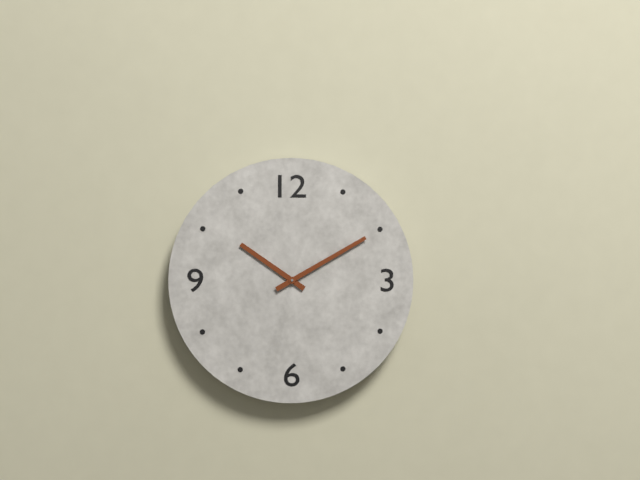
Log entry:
10 h 10 min
